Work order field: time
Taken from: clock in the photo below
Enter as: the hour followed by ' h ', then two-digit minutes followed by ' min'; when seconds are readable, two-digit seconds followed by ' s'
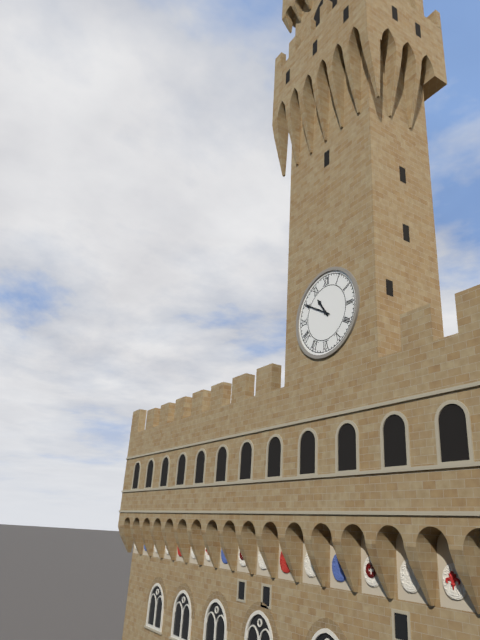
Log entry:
10 h 50 min
